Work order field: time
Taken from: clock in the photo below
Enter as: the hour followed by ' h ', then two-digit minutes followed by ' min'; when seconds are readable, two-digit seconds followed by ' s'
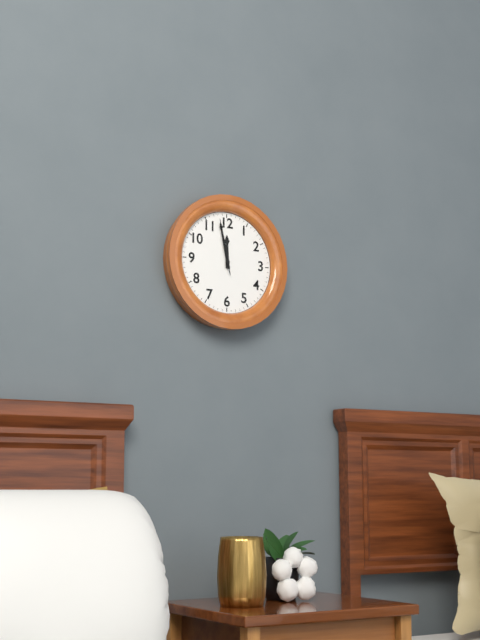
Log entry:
11 h 58 min 58 s
